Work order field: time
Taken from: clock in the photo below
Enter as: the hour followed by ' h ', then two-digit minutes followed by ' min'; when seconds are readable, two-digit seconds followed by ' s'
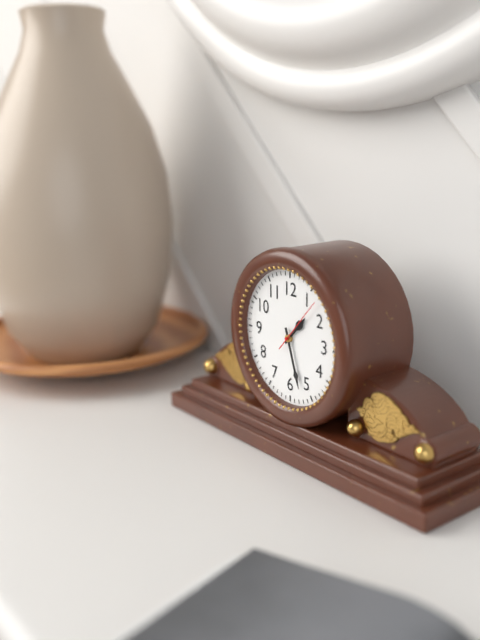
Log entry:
1 h 27 min 07 s
